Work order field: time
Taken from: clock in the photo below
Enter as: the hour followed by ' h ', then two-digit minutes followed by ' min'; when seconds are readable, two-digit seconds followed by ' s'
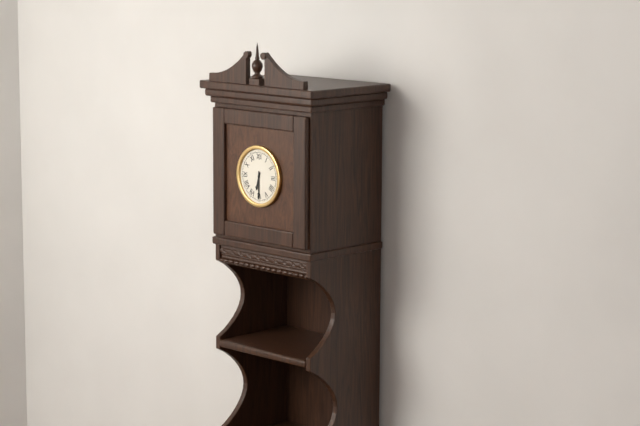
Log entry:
6 h 30 min
